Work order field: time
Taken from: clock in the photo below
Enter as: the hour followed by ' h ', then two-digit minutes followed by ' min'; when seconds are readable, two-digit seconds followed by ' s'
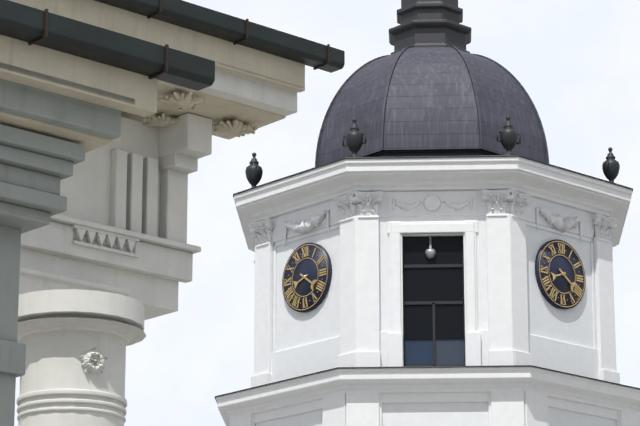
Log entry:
8 h 21 min
